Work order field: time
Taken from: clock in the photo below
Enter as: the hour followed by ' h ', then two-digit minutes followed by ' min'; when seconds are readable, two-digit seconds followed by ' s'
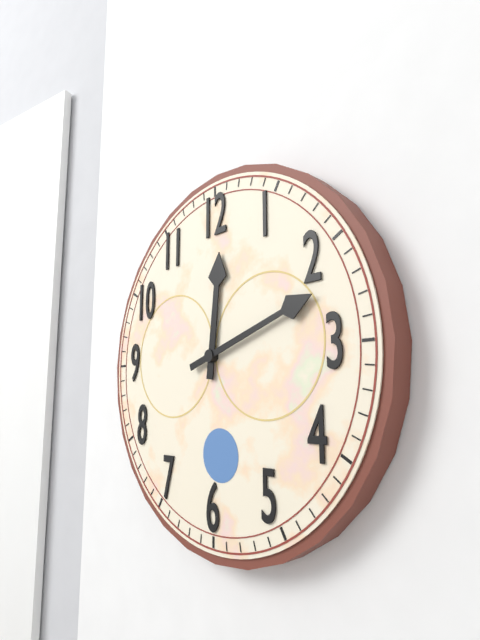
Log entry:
12 h 12 min
